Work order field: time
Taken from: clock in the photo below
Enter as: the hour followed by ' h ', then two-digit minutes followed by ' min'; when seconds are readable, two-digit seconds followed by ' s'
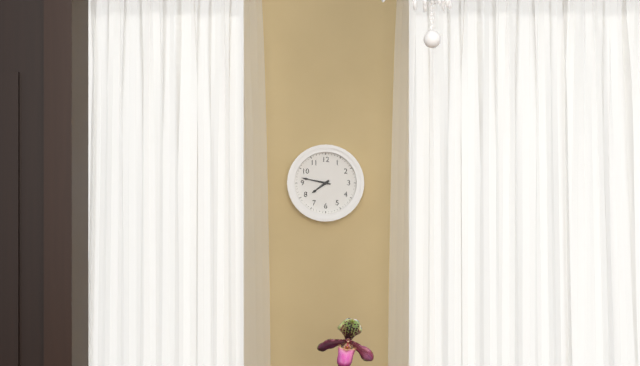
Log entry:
7 h 47 min
